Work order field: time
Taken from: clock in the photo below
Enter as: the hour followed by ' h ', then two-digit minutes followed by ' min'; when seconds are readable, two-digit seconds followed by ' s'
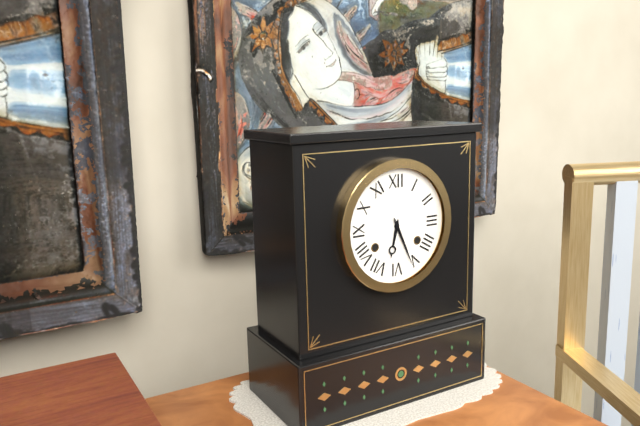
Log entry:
6 h 26 min
